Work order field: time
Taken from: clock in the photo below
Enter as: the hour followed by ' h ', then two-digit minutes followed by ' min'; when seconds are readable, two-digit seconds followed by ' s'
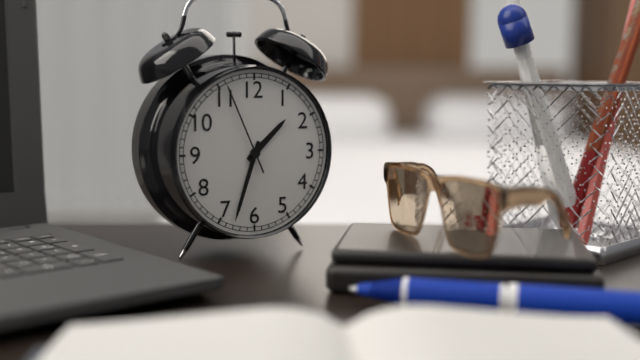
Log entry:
1 h 33 min 56 s
